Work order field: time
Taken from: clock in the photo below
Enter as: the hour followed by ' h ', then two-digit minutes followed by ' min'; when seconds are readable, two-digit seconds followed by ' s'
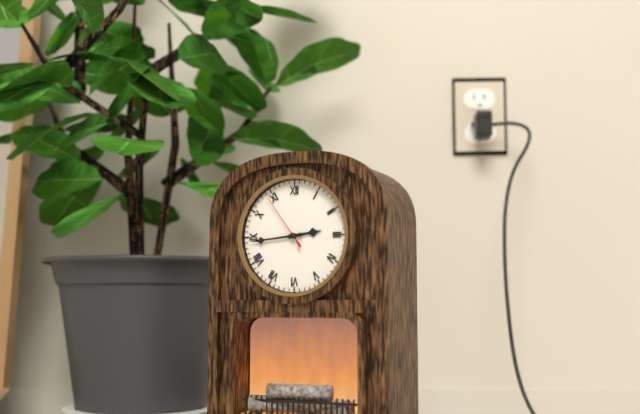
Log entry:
2 h 44 min 54 s
